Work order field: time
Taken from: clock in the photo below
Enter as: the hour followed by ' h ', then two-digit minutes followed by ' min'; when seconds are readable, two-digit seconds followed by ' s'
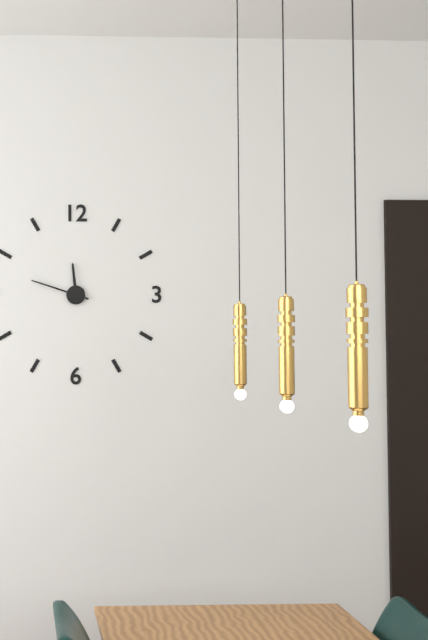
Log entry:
11 h 48 min
